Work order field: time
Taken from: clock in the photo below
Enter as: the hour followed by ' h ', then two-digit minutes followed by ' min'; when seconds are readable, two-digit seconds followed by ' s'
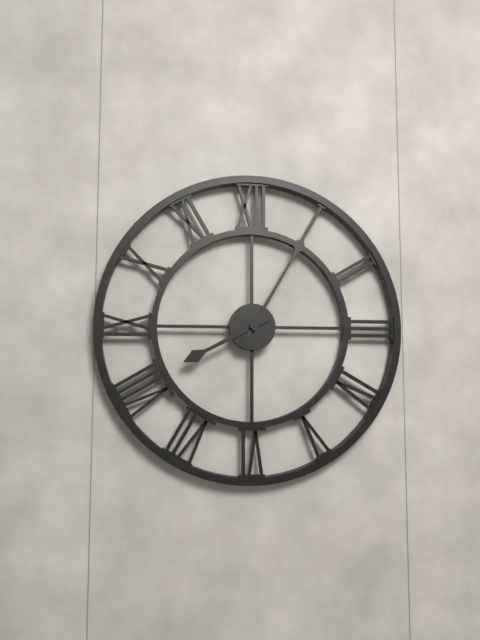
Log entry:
8 h 05 min
